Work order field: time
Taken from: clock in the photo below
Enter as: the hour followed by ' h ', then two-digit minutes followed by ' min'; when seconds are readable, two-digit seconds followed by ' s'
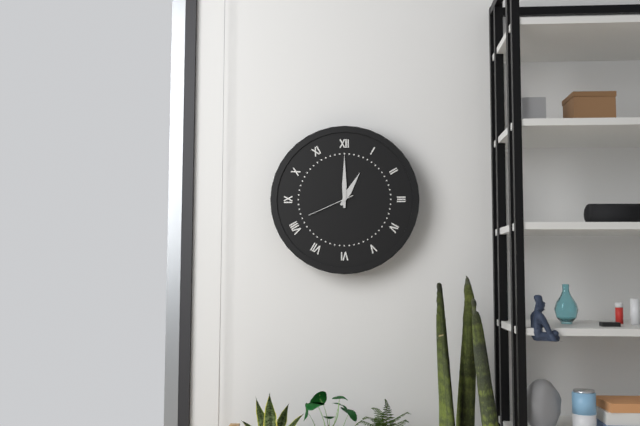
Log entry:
1 h 00 min
